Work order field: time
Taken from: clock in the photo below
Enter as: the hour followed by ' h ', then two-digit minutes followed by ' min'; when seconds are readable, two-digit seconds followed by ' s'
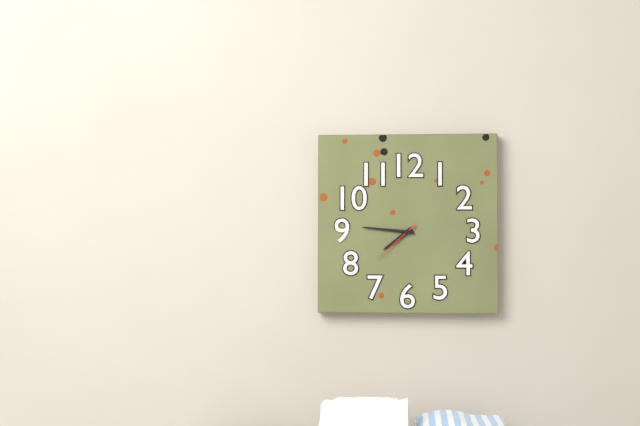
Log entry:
7 h 46 min 38 s
